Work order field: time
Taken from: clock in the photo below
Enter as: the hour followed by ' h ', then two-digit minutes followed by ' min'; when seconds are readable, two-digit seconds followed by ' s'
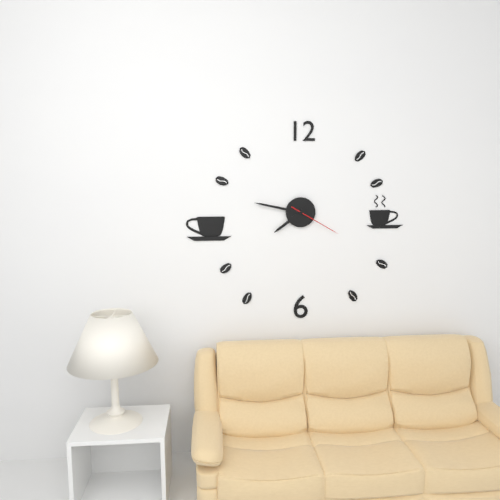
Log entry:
7 h 47 min 20 s
